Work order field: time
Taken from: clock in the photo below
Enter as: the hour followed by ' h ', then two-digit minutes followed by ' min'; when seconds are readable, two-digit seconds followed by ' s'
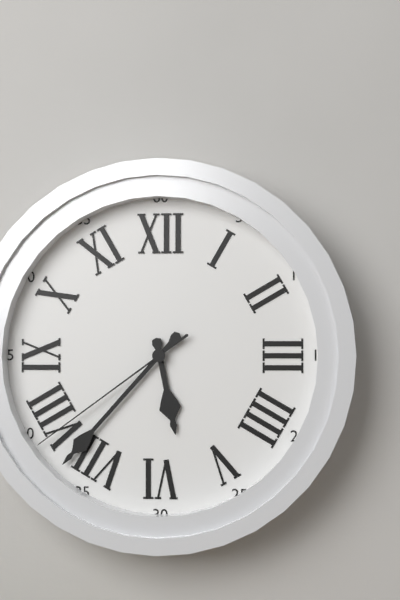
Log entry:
5 h 37 min 39 s
